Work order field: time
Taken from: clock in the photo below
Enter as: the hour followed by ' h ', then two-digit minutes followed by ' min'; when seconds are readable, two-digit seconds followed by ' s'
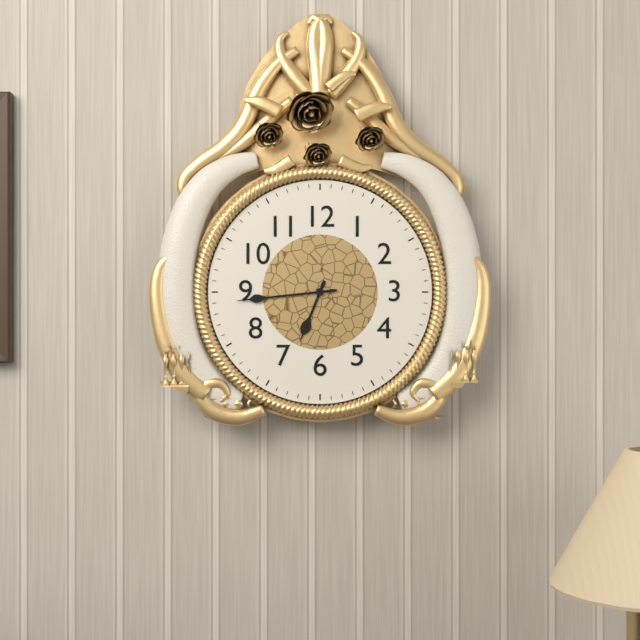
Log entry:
6 h 44 min
